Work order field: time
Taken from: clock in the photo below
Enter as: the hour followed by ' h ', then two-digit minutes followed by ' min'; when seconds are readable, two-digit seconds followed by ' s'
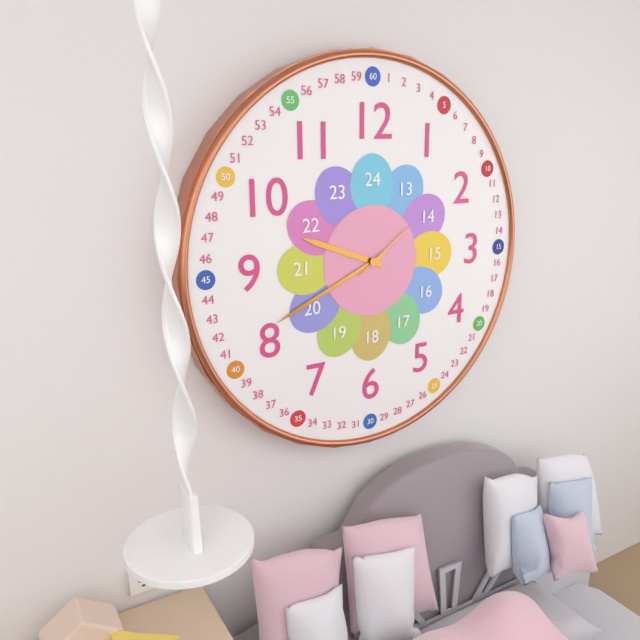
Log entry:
9 h 41 min 09 s
